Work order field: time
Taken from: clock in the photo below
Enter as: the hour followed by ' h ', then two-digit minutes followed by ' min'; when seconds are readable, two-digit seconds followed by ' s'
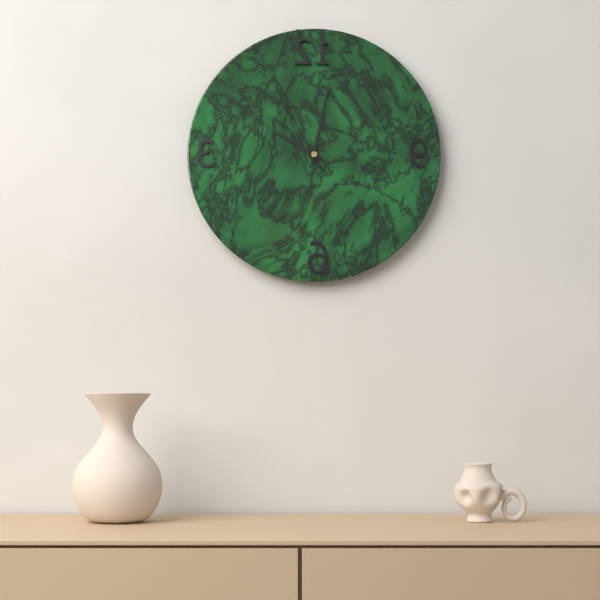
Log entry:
10 h 02 min 55 s
